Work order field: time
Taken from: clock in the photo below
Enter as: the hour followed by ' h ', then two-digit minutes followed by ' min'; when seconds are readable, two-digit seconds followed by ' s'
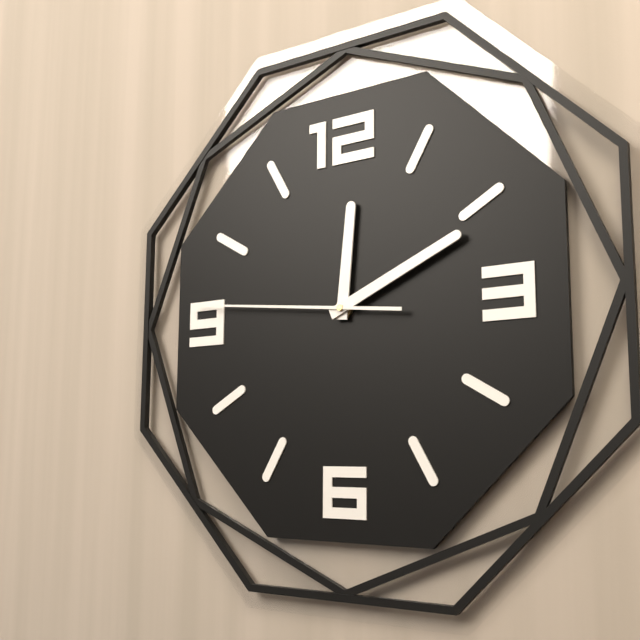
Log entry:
12 h 11 min 46 s
